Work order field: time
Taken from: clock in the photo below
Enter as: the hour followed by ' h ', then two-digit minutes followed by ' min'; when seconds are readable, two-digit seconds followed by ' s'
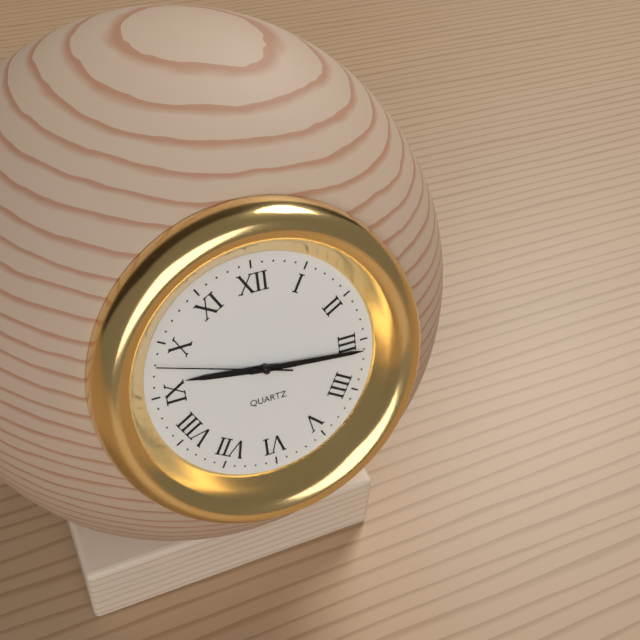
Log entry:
9 h 16 min 48 s
